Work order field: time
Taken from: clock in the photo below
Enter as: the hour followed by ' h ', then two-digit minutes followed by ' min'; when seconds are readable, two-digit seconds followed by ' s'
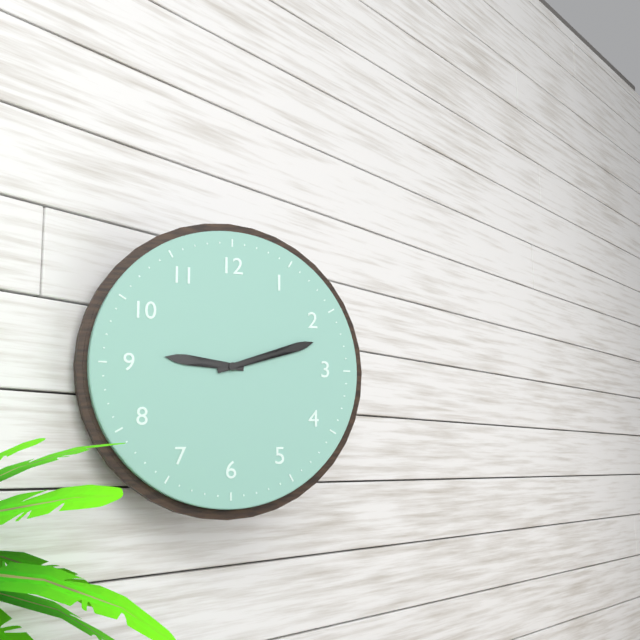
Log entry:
9 h 12 min
